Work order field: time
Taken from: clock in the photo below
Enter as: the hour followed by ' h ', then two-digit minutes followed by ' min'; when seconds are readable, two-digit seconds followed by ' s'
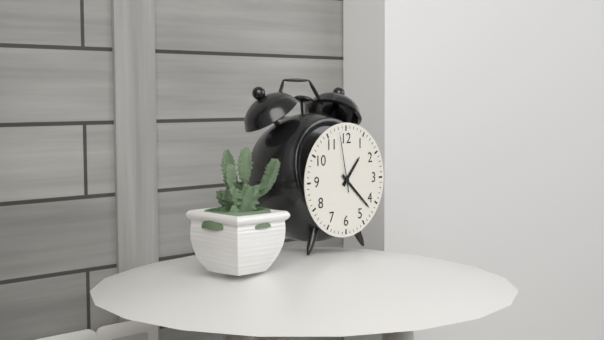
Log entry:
1 h 22 min 58 s
